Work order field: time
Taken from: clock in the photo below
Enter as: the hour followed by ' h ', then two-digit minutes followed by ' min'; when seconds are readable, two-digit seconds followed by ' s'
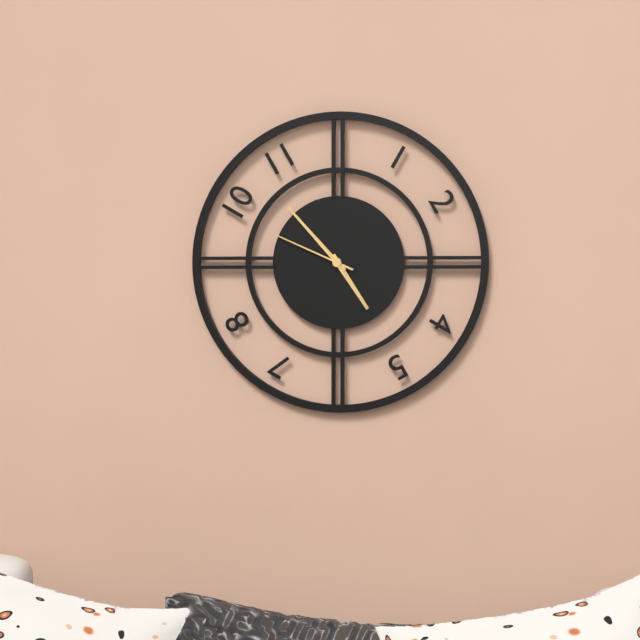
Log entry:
4 h 53 min 49 s
